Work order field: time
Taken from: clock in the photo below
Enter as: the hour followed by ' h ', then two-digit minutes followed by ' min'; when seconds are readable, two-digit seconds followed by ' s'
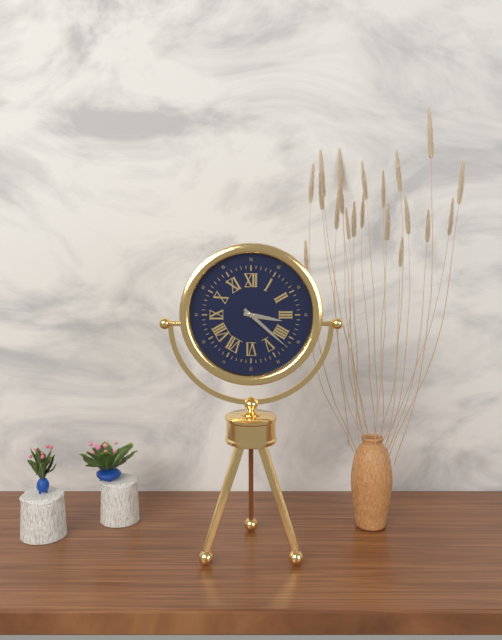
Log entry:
3 h 22 min
